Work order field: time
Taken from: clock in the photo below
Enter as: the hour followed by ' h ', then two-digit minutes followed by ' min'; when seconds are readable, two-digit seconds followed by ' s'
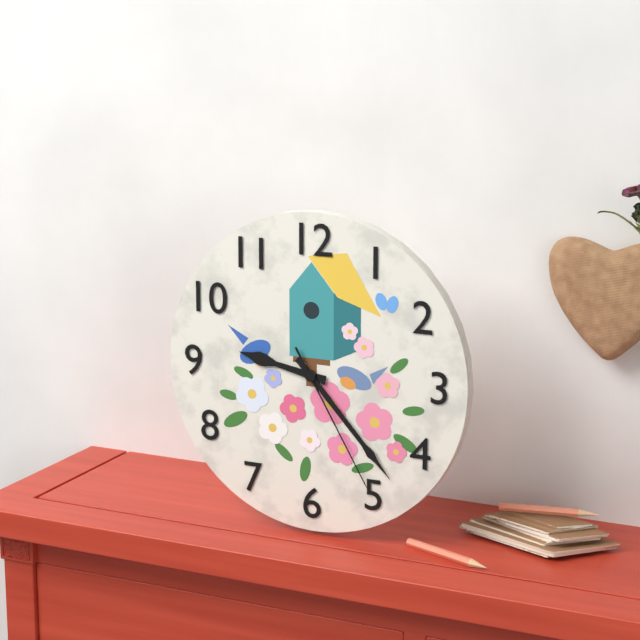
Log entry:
9 h 23 min 25 s
